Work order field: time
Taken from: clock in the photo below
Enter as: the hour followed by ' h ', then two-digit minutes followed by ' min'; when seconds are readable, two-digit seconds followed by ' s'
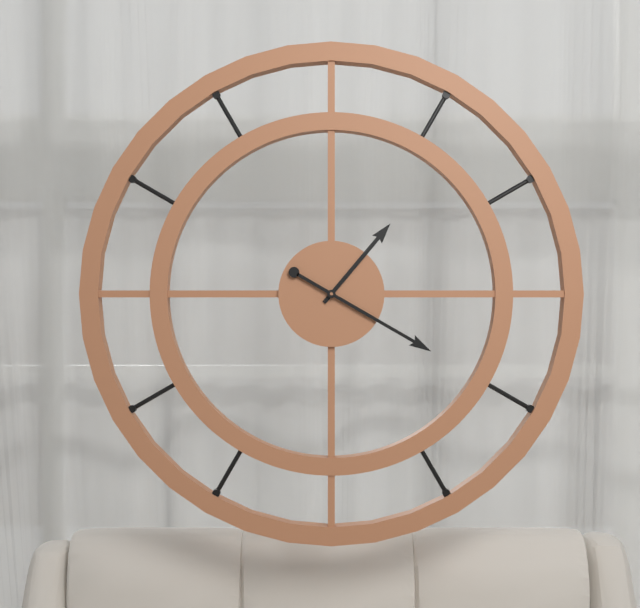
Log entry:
1 h 20 min
